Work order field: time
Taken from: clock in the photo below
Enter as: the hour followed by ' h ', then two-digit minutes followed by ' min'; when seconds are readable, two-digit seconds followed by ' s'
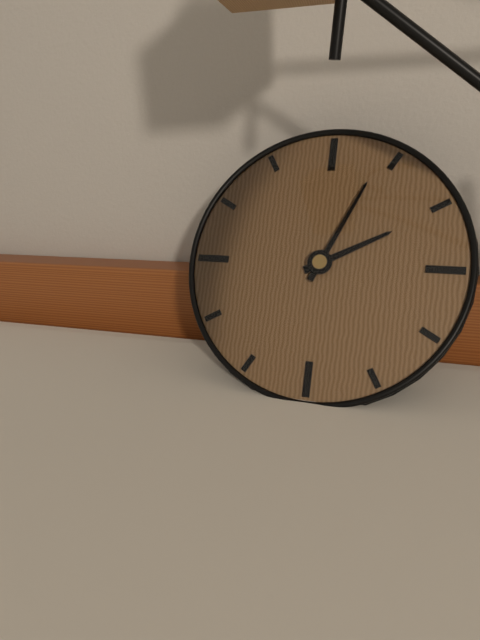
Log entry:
2 h 04 min
